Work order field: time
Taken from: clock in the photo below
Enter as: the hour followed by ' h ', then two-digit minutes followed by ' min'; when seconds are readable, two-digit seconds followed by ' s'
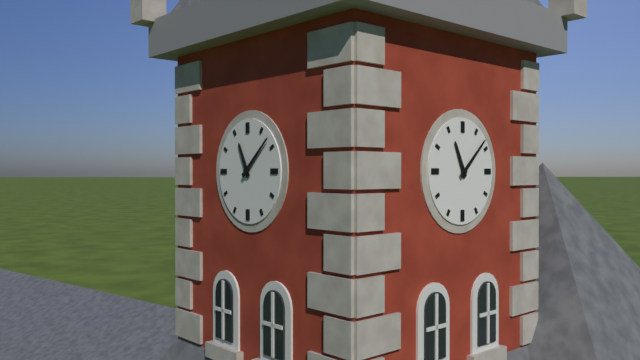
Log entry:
11 h 08 min
